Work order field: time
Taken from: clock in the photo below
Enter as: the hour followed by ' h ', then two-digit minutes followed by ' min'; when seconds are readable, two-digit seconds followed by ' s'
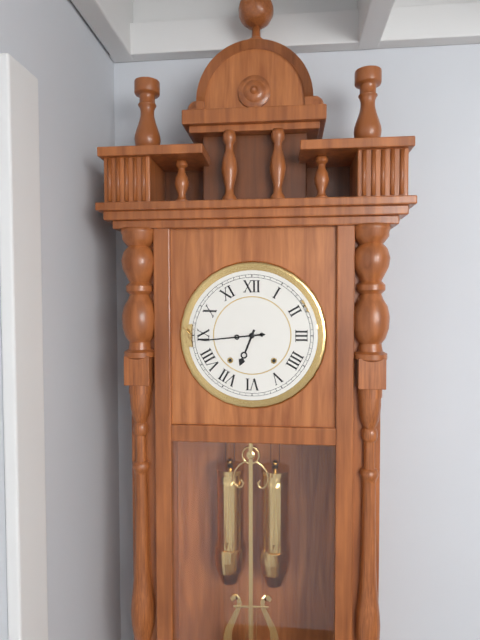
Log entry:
6 h 44 min
